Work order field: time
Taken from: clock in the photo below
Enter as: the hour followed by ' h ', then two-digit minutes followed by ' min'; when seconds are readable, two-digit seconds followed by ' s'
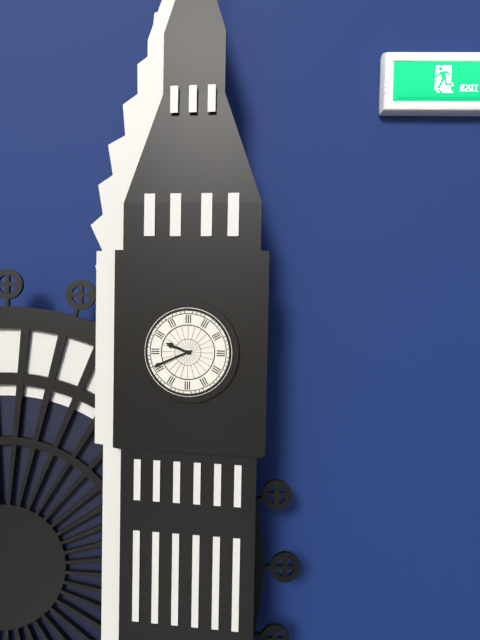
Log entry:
9 h 41 min
